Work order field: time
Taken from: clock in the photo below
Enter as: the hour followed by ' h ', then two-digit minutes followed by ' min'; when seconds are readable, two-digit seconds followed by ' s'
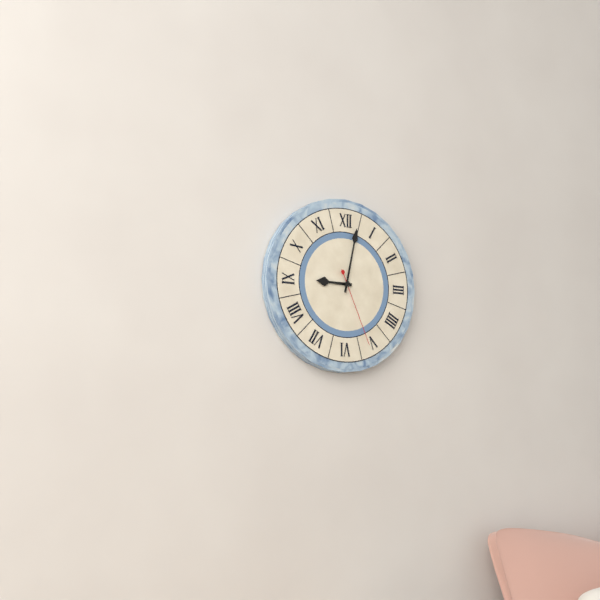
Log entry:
9 h 02 min 26 s
